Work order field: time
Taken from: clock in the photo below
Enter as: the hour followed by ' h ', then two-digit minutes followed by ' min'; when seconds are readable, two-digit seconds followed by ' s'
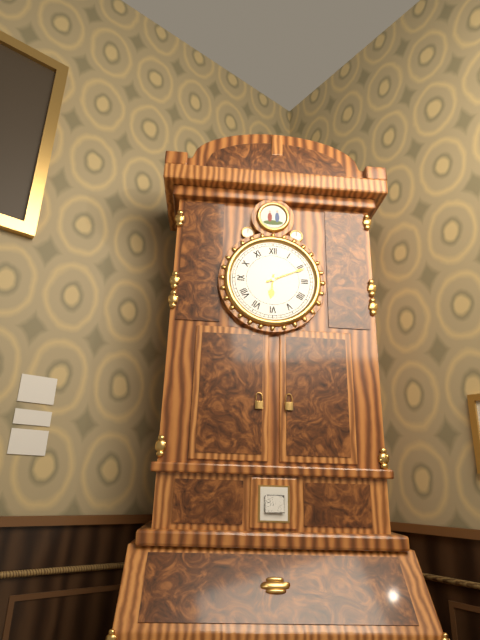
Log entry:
6 h 11 min
